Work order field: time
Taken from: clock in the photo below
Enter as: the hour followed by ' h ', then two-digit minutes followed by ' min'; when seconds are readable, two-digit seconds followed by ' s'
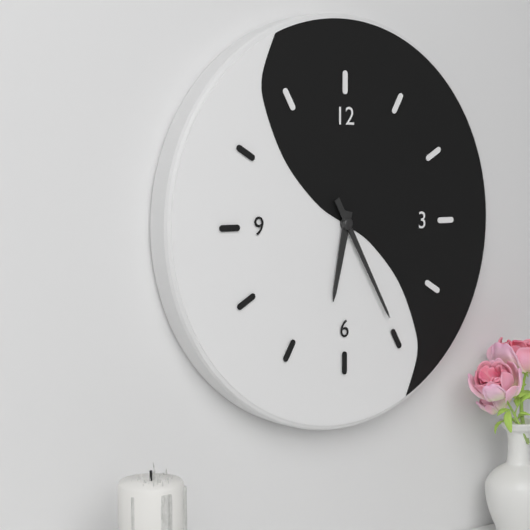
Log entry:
6 h 25 min
